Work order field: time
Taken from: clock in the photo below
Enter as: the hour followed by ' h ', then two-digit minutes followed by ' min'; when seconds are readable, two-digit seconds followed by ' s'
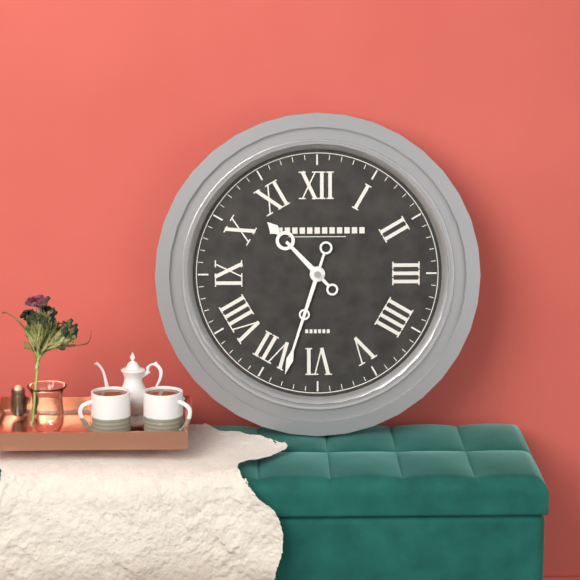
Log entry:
10 h 33 min
